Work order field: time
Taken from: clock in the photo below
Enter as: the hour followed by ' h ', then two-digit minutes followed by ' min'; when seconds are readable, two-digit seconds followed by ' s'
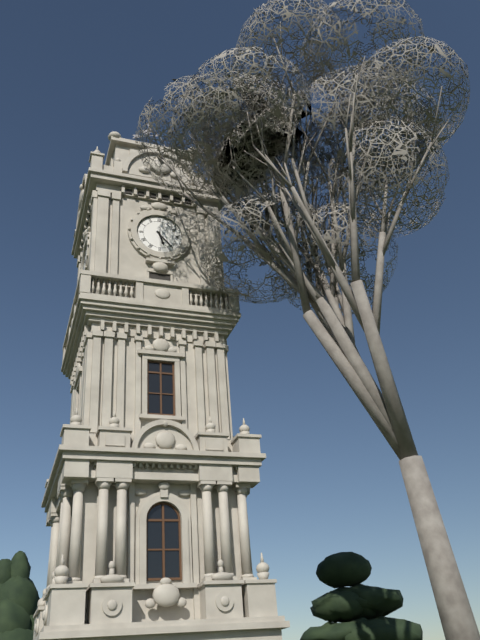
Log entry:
5 h 23 min
